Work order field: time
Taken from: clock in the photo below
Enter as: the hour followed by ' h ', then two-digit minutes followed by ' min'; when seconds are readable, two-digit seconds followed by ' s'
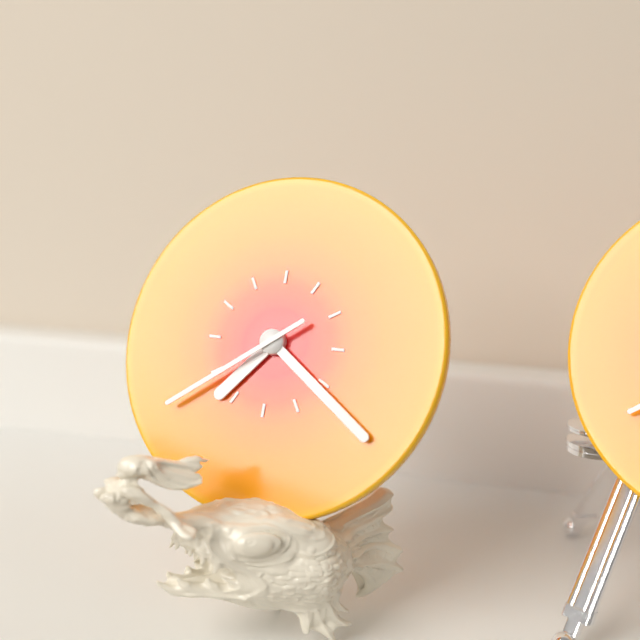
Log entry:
7 h 21 min 39 s
